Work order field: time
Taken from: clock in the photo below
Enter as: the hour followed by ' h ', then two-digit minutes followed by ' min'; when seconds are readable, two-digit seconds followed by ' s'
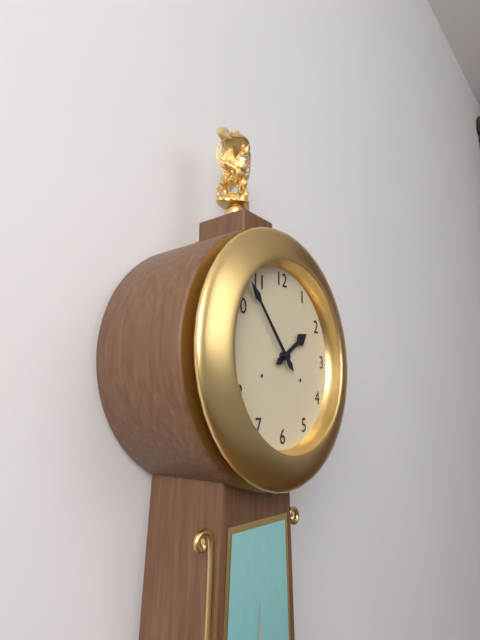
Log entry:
1 h 53 min
